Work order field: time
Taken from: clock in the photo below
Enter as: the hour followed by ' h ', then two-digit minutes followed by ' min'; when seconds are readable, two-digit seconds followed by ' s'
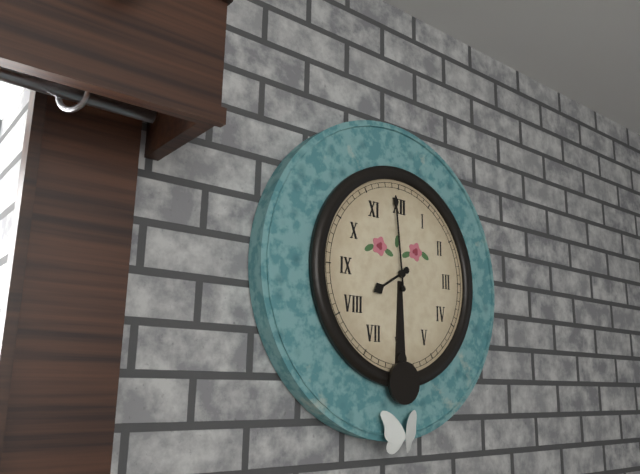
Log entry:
7 h 59 min
